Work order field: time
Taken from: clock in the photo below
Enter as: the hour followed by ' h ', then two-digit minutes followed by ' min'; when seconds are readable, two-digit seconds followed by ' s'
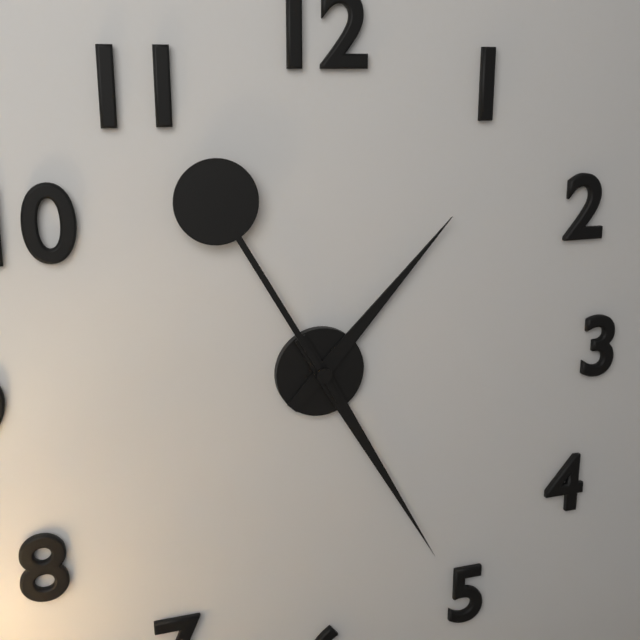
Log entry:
1 h 25 min 55 s
